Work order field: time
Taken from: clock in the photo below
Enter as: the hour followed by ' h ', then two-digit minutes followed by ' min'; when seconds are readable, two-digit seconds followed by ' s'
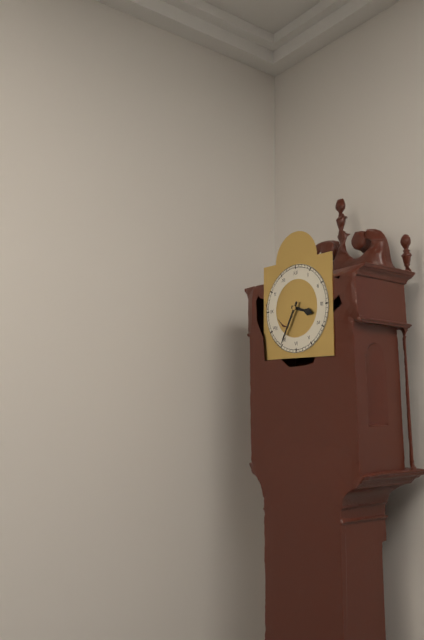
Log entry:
3 h 35 min
